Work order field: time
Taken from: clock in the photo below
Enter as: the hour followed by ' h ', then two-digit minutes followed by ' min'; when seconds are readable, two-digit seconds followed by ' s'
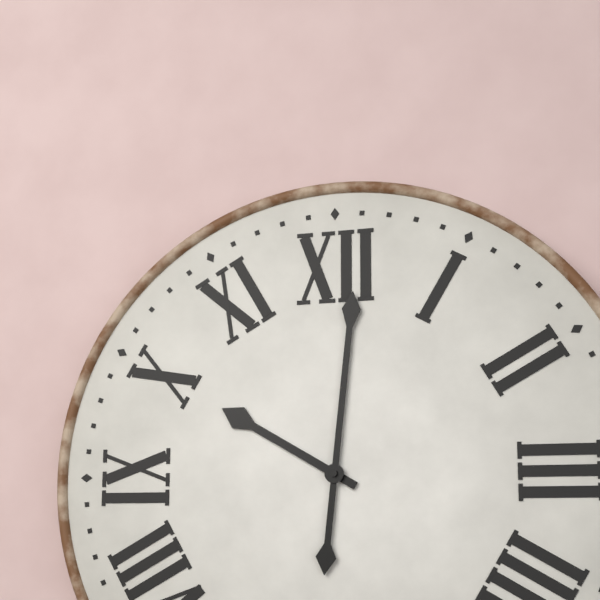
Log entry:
10 h 01 min
